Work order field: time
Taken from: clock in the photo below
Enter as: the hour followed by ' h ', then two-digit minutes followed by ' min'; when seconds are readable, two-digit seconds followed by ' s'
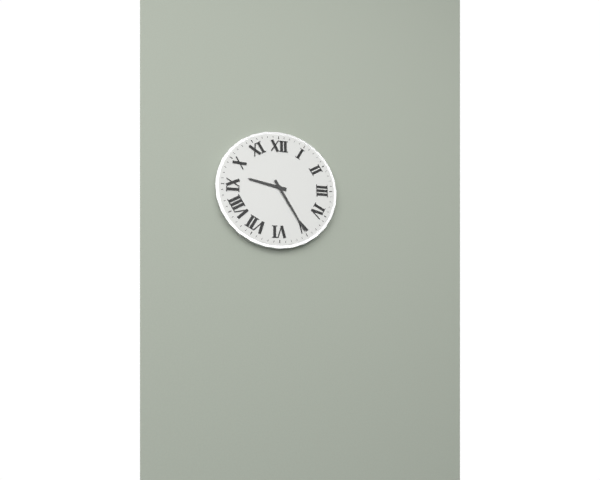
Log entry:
9 h 25 min
